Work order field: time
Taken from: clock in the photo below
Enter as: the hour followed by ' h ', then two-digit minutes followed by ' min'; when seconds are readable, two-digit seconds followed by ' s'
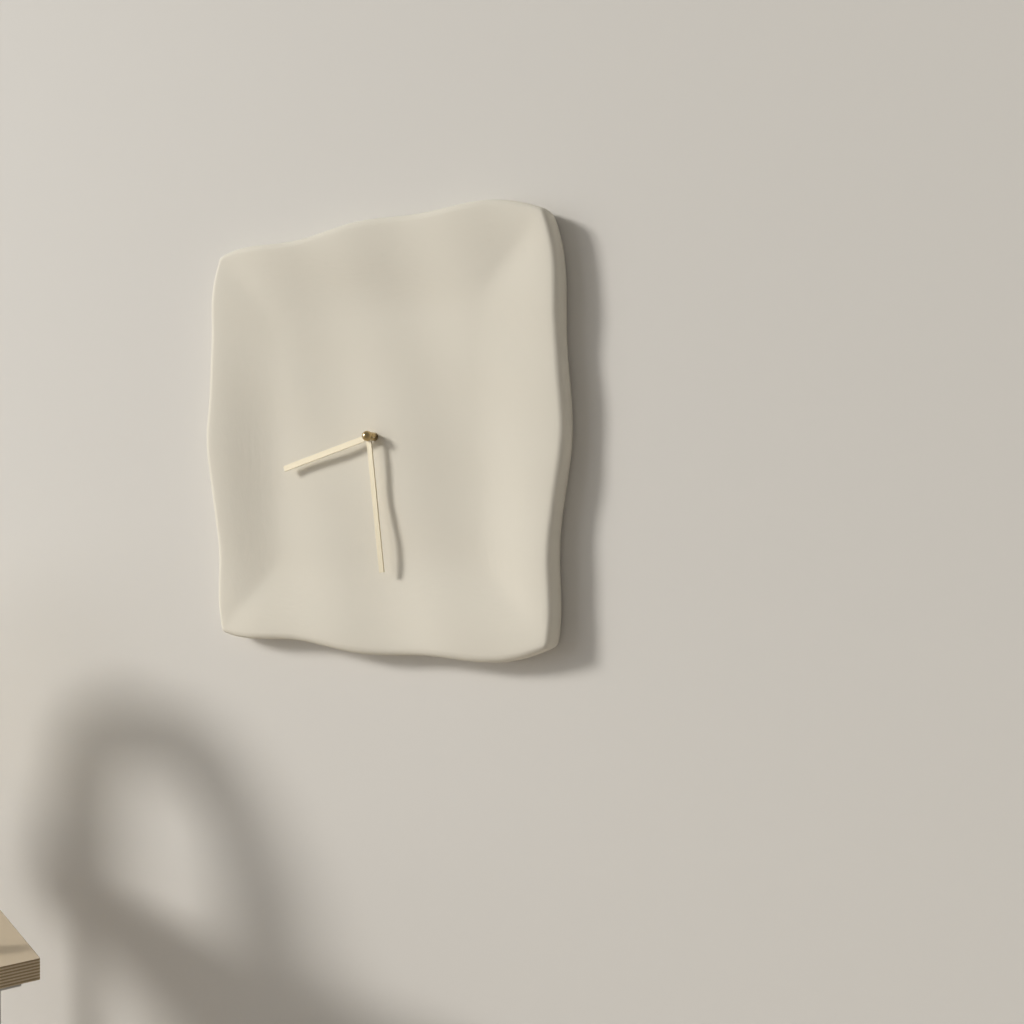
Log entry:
8 h 29 min
